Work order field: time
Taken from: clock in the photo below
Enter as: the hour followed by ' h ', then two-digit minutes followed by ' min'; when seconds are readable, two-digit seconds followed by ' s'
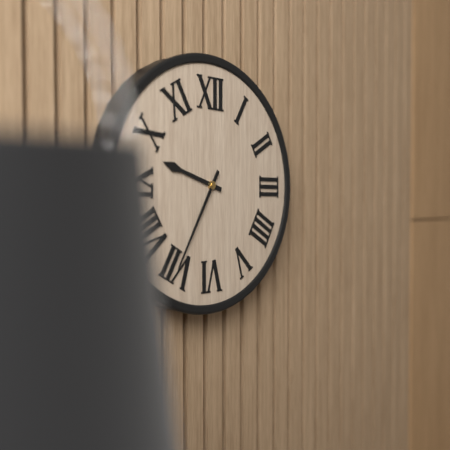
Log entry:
9 h 35 min
